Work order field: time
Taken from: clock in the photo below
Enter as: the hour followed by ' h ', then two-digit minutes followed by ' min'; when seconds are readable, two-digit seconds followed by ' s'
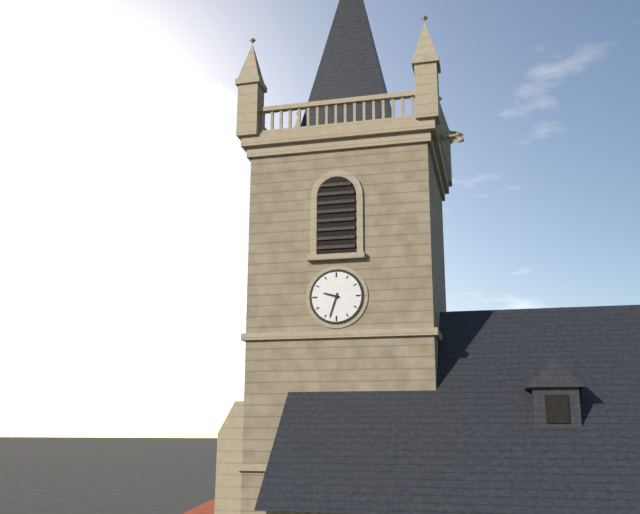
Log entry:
9 h 33 min
